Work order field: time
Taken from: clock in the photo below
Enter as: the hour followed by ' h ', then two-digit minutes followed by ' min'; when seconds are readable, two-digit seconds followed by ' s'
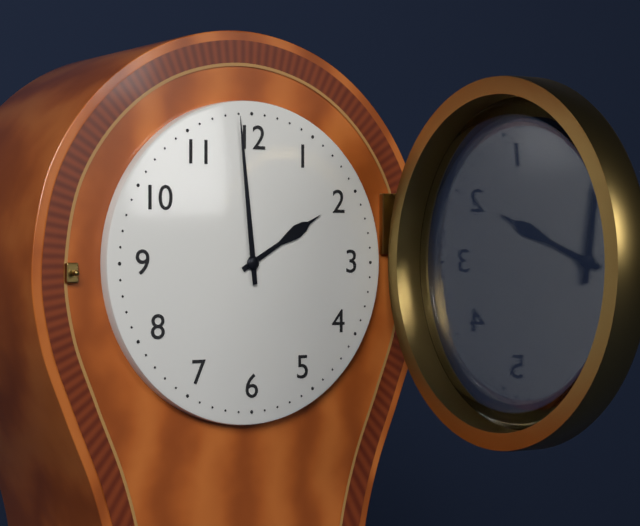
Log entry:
1 h 59 min
